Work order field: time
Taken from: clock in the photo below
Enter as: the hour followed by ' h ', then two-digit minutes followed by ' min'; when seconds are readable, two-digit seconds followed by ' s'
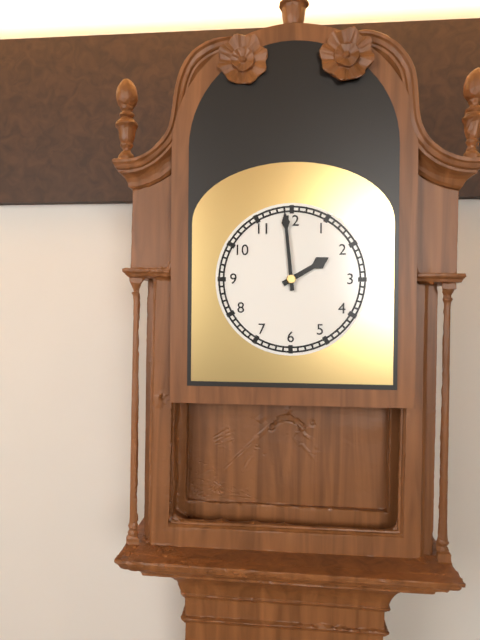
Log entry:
1 h 59 min
